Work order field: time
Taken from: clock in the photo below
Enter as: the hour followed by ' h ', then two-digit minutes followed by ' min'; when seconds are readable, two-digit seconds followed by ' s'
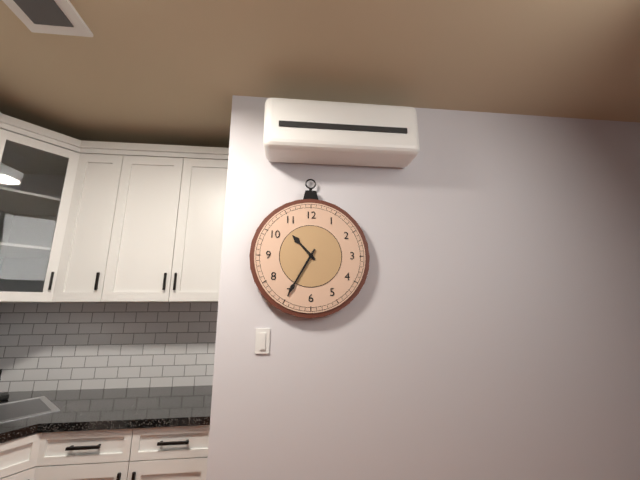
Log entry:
10 h 35 min
